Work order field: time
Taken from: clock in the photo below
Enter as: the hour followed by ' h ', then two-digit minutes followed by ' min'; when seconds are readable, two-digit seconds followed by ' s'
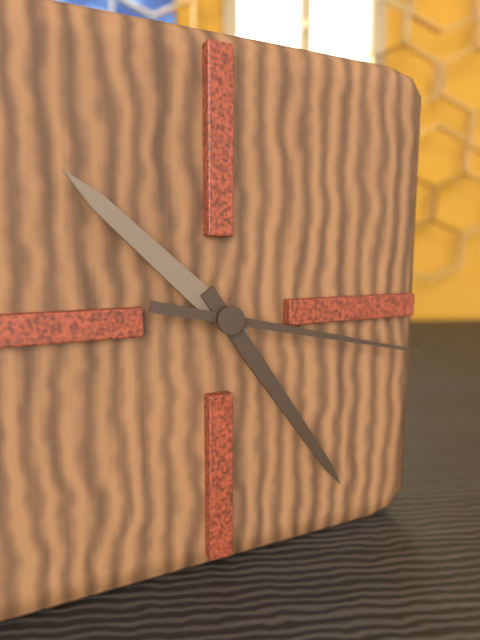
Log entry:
10 h 24 min 17 s
